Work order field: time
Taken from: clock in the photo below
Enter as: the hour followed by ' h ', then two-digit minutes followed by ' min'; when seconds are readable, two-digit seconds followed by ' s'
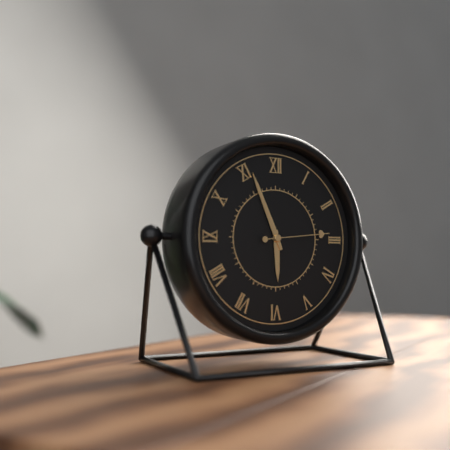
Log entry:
5 h 56 min 14 s
